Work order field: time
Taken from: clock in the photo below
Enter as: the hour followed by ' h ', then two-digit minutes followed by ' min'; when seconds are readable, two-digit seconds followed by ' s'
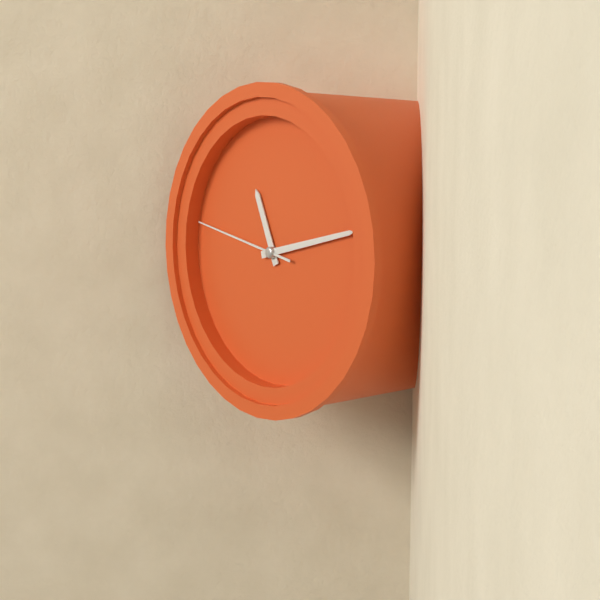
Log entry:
11 h 13 min 47 s
